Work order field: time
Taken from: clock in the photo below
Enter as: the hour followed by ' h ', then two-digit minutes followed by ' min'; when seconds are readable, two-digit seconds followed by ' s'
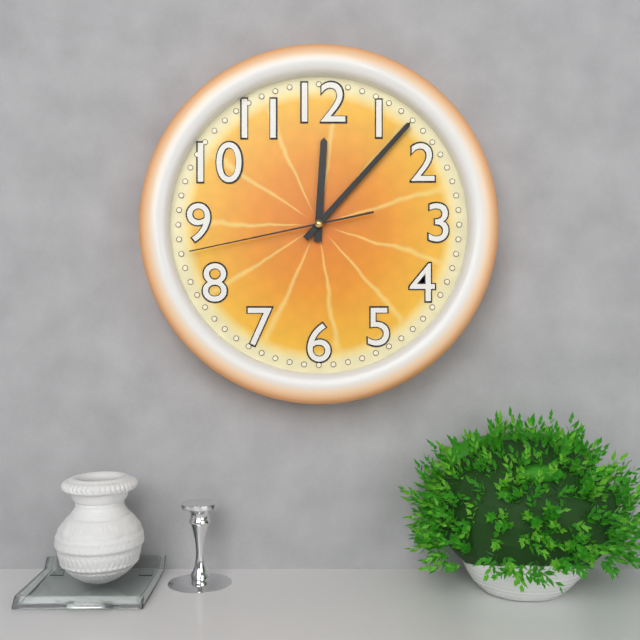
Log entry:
12 h 07 min 43 s
